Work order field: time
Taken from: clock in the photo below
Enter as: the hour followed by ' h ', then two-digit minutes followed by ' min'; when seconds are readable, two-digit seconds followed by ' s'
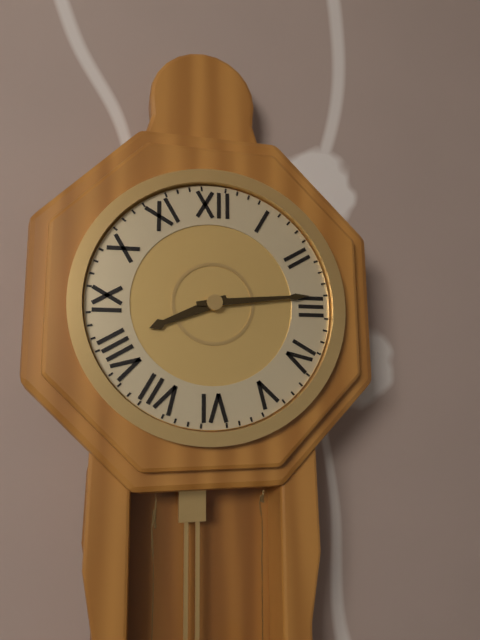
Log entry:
8 h 14 min
